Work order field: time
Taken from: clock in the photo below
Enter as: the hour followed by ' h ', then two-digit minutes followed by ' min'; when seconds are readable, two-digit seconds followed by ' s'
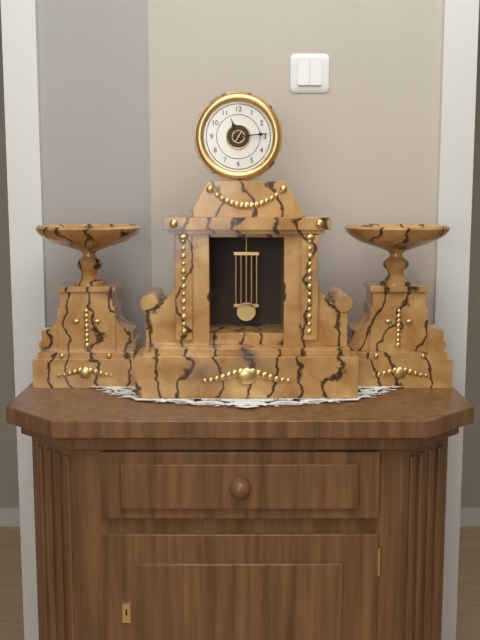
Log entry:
11 h 14 min
